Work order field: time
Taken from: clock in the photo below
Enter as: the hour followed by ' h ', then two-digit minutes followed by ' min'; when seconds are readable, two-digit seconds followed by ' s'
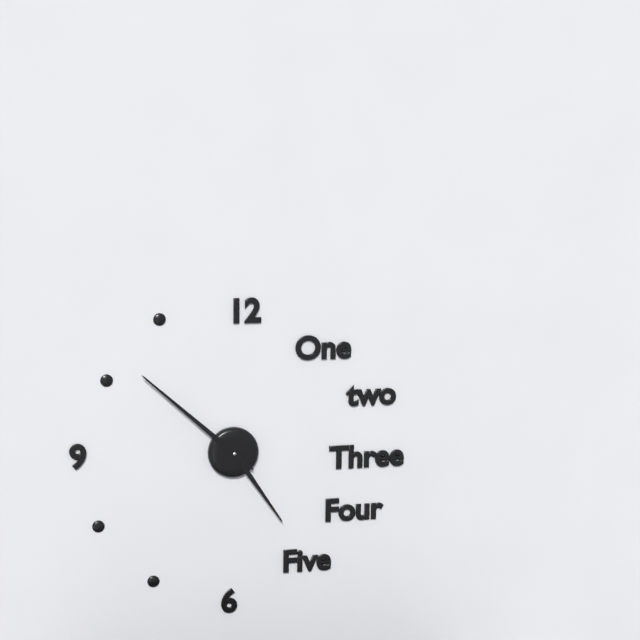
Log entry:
4 h 52 min
